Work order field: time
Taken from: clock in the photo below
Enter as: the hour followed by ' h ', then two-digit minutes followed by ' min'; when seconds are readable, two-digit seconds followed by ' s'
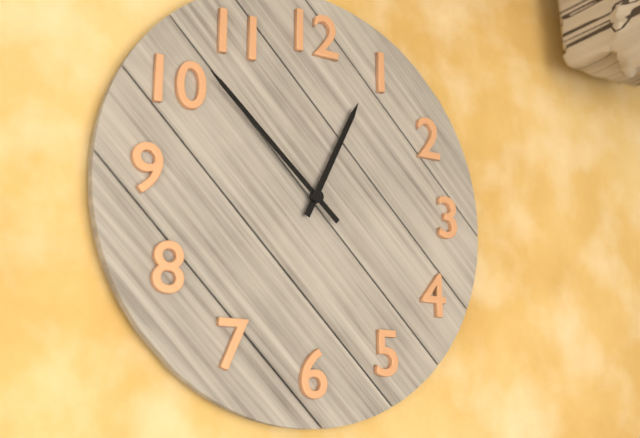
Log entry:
12 h 52 min
